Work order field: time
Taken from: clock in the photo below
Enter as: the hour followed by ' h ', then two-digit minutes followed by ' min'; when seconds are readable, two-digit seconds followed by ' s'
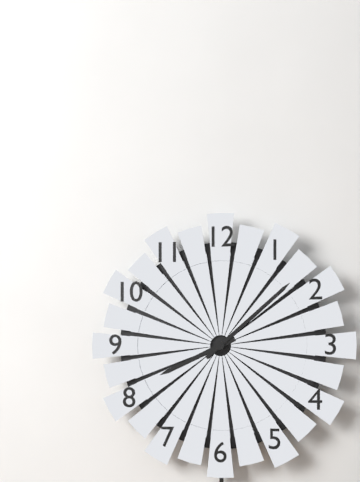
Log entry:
8 h 08 min
